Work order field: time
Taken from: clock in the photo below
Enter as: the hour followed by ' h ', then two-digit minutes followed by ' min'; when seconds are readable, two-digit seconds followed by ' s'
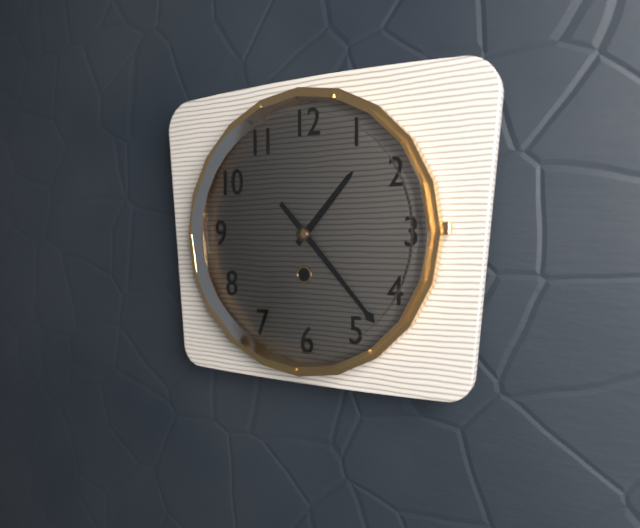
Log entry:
1 h 23 min
